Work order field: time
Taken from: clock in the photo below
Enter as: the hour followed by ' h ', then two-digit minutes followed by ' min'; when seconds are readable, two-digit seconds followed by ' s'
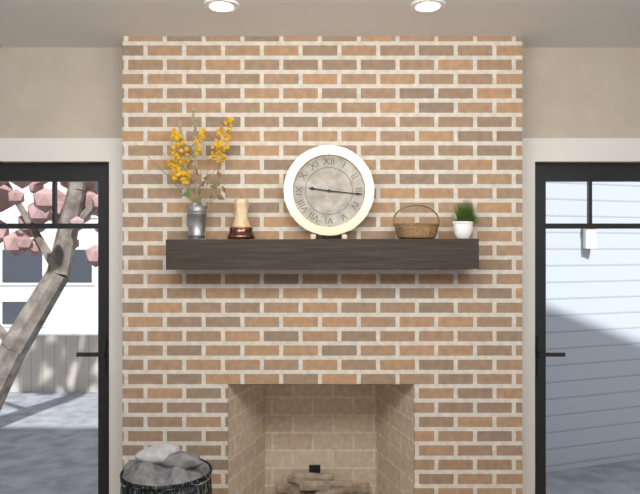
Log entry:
9 h 16 min
